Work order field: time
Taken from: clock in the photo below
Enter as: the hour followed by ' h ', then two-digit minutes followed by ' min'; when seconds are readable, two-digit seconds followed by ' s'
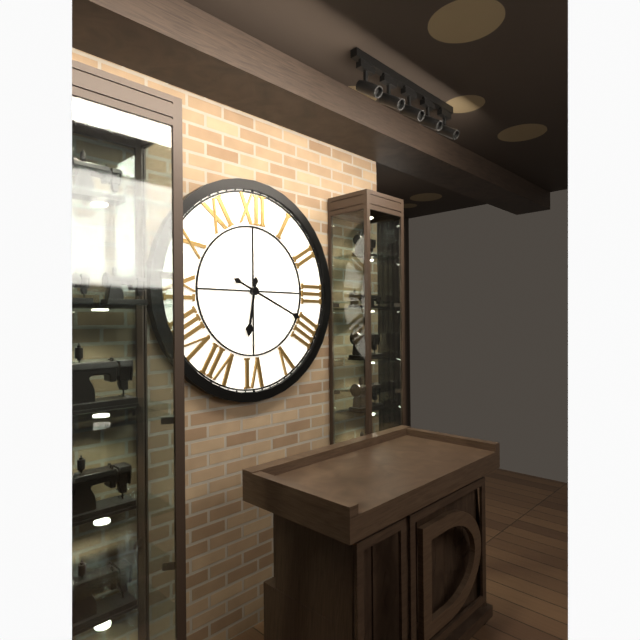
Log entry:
6 h 19 min
